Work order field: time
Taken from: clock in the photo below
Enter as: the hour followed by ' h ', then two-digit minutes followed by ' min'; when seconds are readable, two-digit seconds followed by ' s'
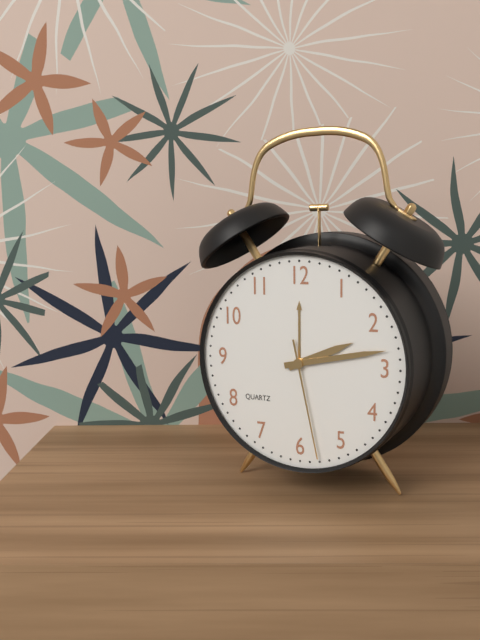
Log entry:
2 h 13 min 28 s
